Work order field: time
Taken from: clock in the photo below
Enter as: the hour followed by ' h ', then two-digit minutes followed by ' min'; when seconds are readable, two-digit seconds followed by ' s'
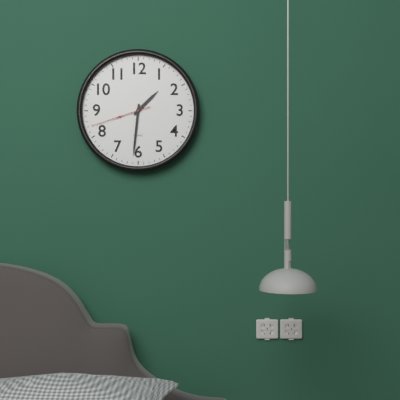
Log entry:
1 h 31 min 42 s
